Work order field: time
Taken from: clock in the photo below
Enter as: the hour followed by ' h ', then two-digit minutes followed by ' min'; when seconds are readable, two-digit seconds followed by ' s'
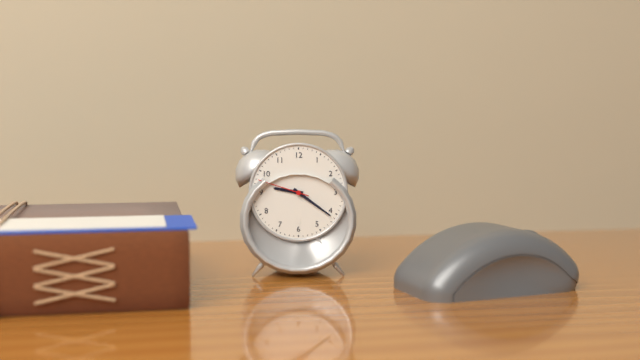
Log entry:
9 h 21 min 48 s
